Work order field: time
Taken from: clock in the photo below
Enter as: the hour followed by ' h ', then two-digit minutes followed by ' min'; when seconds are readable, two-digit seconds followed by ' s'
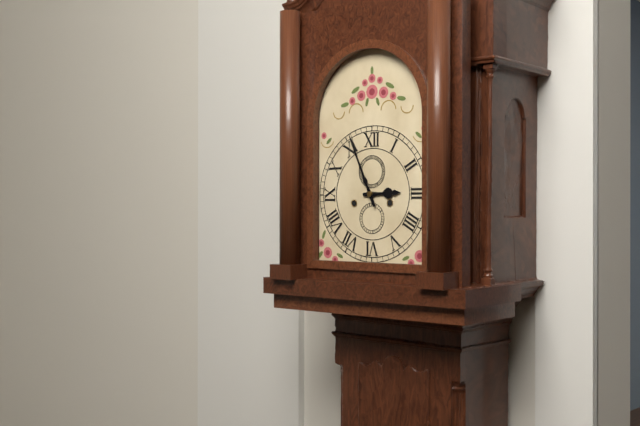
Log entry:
2 h 56 min
